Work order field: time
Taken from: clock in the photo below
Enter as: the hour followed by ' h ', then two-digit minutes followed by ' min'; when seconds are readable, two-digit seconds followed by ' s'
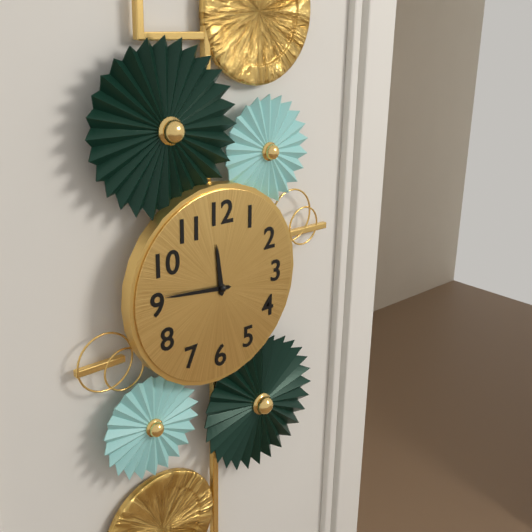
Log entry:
11 h 46 min
